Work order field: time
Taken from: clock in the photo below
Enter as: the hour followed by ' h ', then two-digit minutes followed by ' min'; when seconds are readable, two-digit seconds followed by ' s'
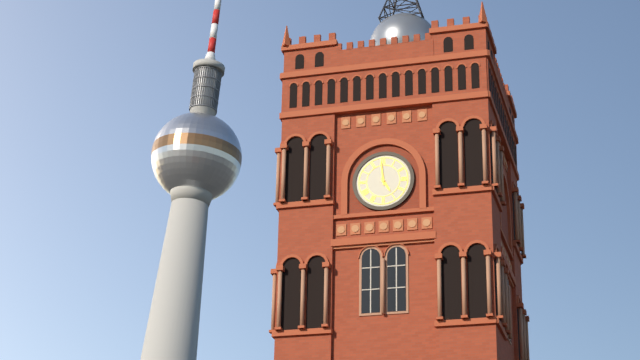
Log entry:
4 h 59 min
